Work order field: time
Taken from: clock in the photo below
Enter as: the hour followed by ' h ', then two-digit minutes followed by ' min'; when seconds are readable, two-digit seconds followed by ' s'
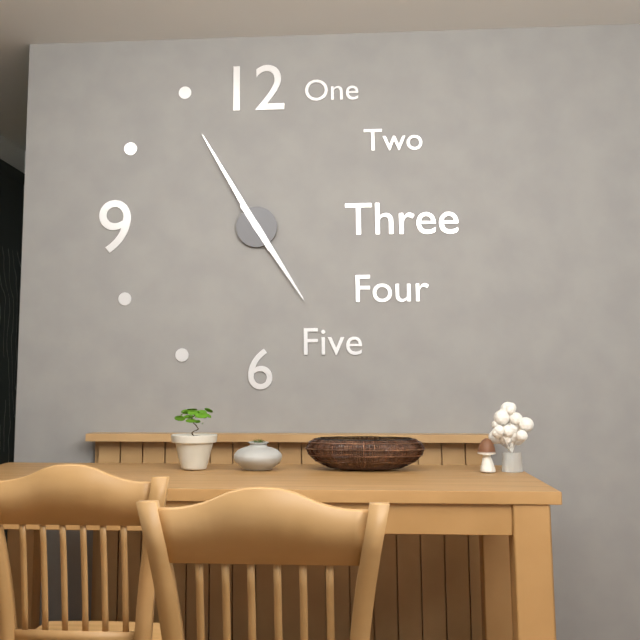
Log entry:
4 h 55 min
